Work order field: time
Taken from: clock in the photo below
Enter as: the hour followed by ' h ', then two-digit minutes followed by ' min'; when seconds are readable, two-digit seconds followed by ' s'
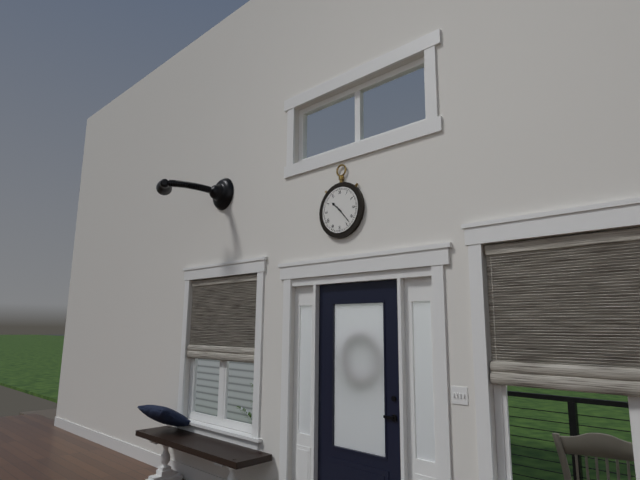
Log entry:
10 h 23 min
